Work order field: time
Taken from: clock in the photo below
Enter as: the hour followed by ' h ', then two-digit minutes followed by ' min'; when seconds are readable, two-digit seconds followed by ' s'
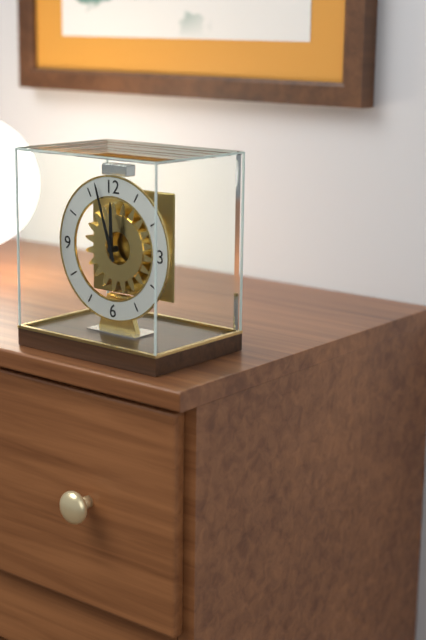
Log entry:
11 h 57 min
